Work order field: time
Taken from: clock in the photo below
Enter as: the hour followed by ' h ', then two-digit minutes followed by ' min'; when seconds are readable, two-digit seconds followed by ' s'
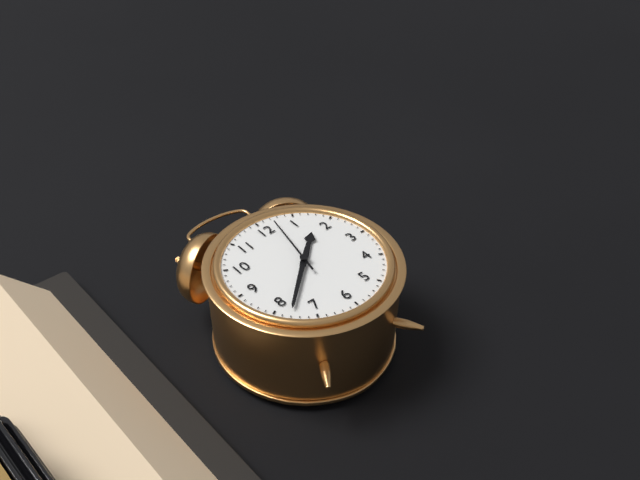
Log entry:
1 h 38 min 02 s
